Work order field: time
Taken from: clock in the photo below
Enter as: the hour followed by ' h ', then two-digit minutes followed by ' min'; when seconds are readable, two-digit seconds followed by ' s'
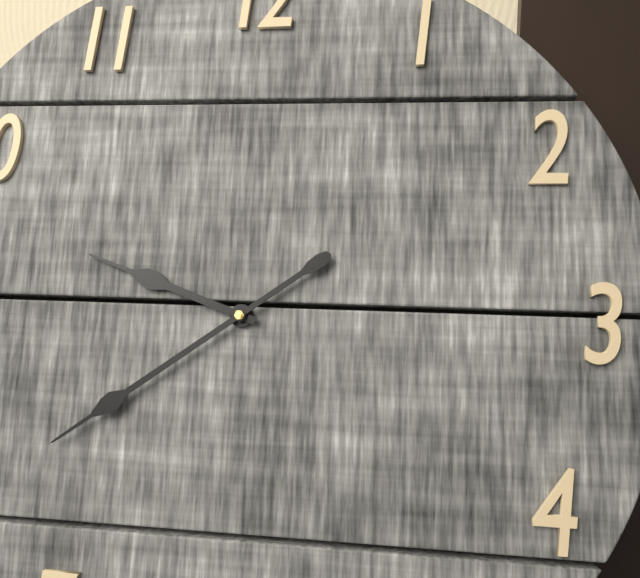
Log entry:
9 h 39 min
